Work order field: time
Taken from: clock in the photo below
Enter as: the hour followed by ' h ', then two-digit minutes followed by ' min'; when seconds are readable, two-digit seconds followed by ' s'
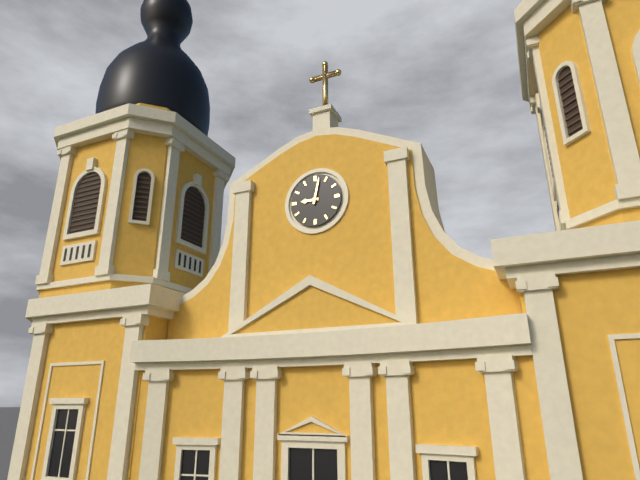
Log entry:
9 h 02 min
